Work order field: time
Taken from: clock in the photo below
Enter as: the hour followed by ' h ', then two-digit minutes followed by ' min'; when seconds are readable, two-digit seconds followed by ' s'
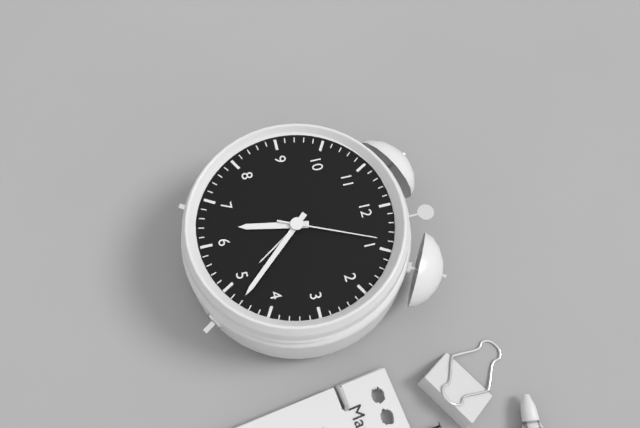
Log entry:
6 h 23 min 04 s
